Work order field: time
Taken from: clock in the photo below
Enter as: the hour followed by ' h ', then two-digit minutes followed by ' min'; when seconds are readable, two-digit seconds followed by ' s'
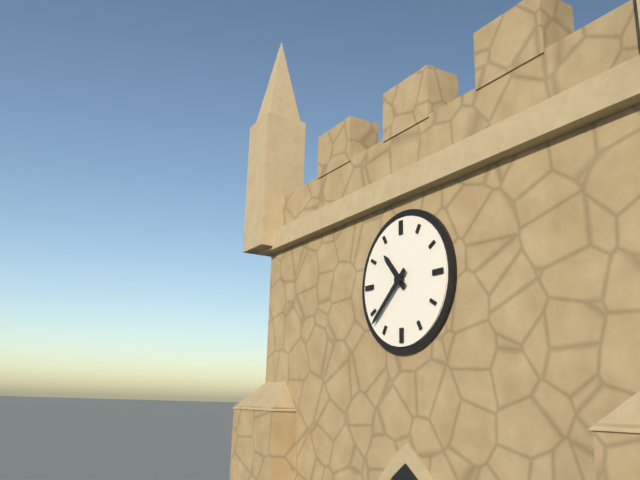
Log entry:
10 h 38 min
